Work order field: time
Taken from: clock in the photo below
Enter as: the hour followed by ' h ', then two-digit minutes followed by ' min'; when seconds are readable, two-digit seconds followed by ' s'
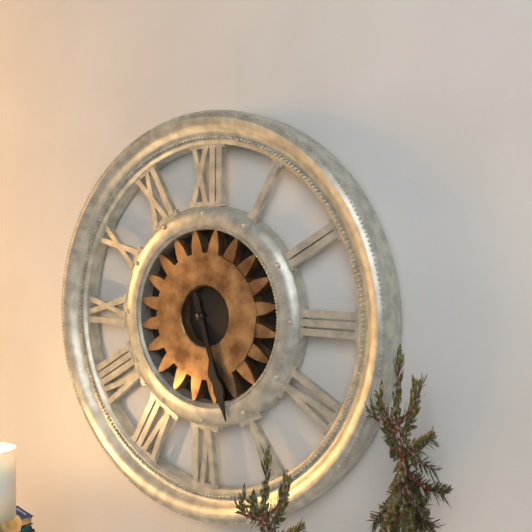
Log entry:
5 h 27 min
